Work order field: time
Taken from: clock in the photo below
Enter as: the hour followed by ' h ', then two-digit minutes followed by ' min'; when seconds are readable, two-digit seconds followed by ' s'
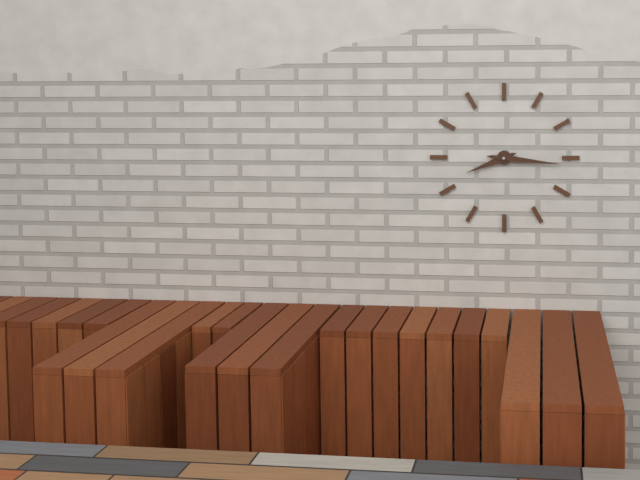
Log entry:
8 h 16 min
